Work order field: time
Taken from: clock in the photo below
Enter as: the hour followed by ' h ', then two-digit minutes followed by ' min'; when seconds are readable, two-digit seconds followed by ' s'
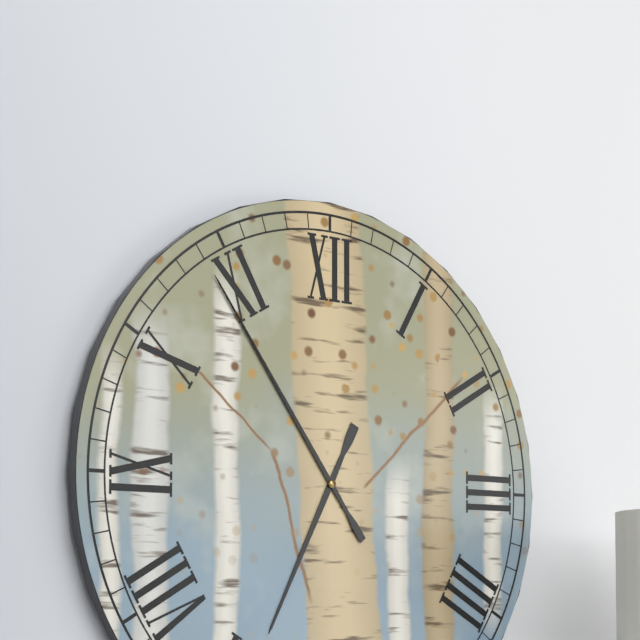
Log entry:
6 h 54 min
